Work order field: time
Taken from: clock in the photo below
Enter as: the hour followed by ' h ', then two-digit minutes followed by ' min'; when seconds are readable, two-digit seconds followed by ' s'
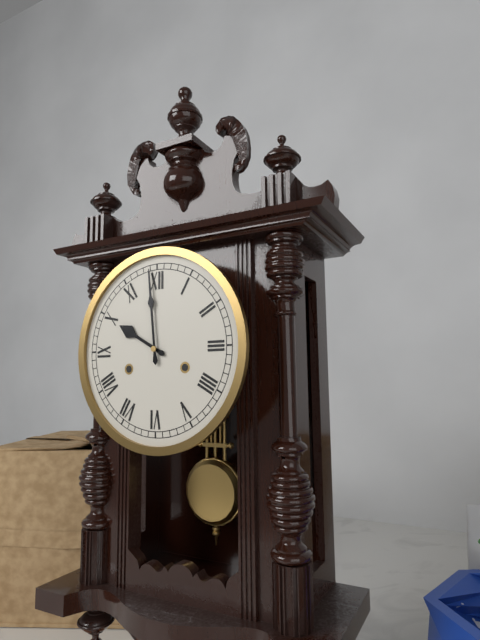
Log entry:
9 h 59 min
